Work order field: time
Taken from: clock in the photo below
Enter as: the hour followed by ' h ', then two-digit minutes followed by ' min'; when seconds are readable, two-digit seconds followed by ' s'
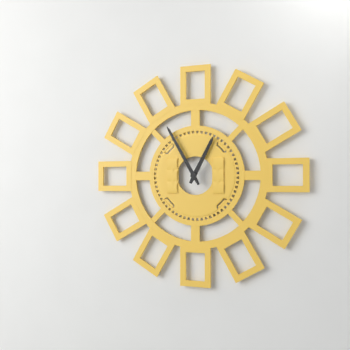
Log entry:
12 h 55 min
